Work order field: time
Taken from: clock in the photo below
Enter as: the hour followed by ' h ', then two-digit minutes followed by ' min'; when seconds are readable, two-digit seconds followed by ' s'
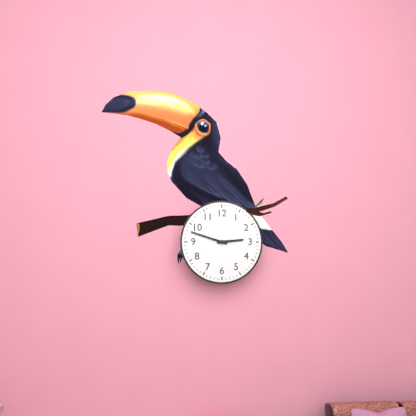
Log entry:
2 h 48 min
